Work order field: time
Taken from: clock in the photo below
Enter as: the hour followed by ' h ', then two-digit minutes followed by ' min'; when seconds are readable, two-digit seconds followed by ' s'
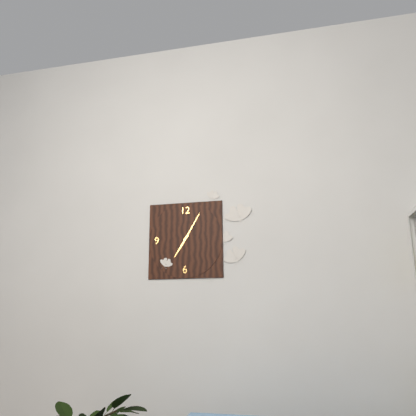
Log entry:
7 h 05 min
